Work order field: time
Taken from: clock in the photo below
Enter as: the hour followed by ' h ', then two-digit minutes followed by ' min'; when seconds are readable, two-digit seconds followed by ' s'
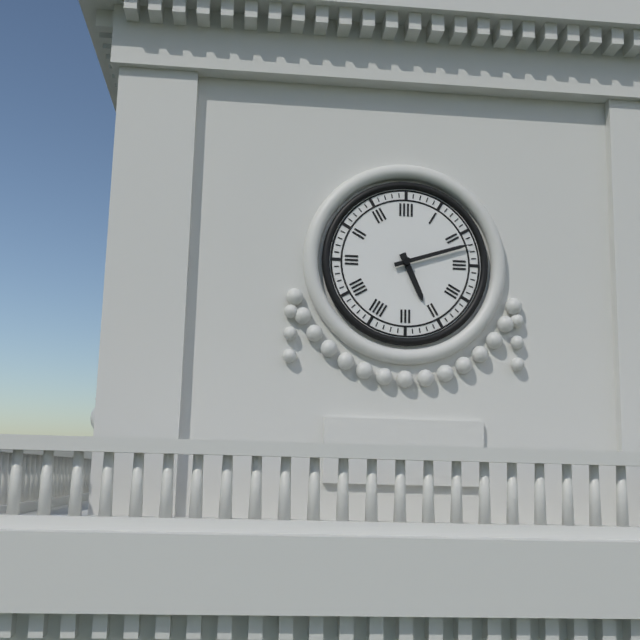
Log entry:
5 h 12 min
